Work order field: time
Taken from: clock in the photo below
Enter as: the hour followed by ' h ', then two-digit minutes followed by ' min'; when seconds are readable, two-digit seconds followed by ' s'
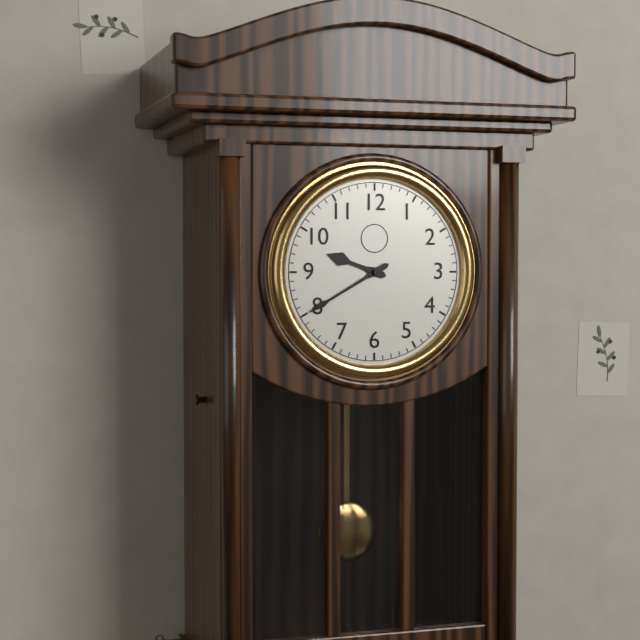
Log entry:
9 h 40 min
